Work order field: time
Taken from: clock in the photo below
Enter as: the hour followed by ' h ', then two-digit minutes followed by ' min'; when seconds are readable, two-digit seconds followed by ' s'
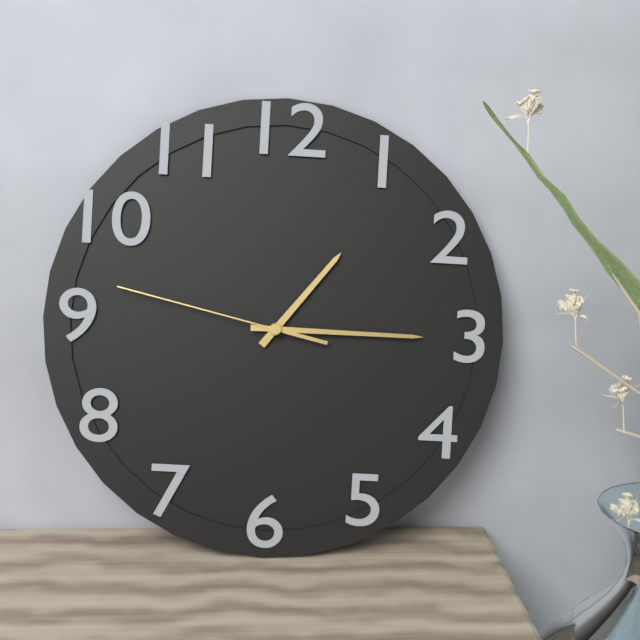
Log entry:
1 h 15 min 47 s
